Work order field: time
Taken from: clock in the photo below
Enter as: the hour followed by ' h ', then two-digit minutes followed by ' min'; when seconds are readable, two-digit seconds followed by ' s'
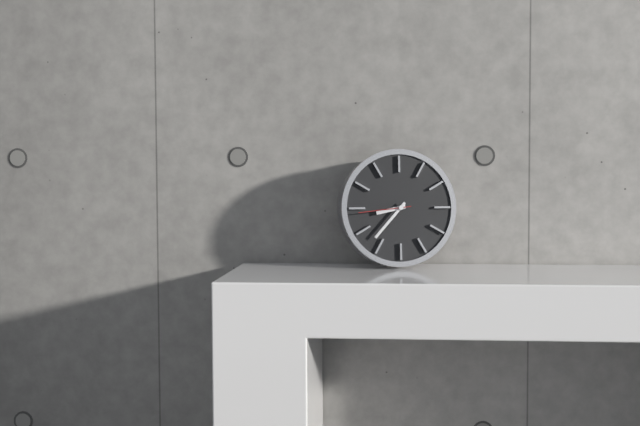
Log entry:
8 h 37 min 44 s
